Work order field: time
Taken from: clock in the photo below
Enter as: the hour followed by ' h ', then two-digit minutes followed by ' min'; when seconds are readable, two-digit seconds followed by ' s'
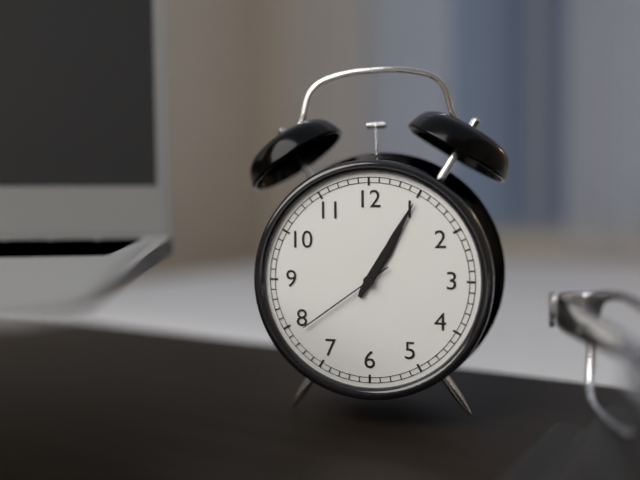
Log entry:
1 h 05 min 39 s
